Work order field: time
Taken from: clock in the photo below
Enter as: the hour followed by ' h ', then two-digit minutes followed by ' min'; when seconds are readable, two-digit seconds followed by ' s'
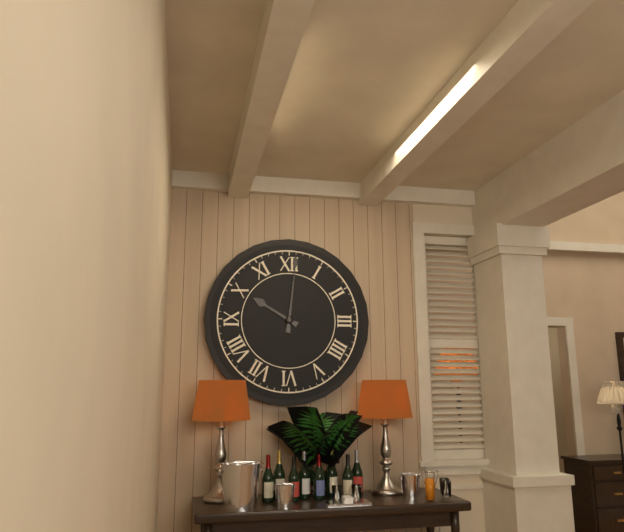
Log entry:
10 h 01 min
